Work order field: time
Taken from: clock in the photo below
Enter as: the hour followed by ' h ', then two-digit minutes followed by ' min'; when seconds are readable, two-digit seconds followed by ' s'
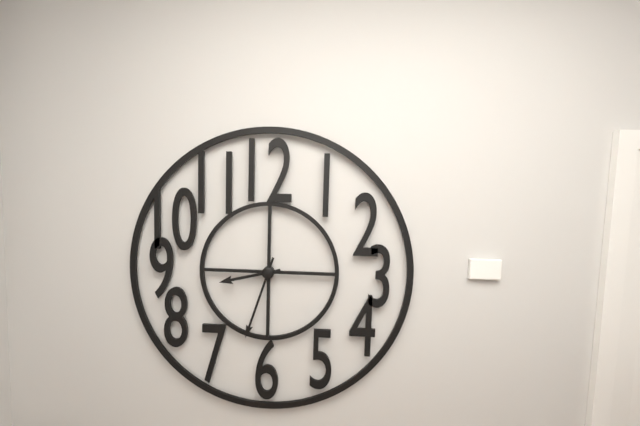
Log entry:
8 h 33 min
